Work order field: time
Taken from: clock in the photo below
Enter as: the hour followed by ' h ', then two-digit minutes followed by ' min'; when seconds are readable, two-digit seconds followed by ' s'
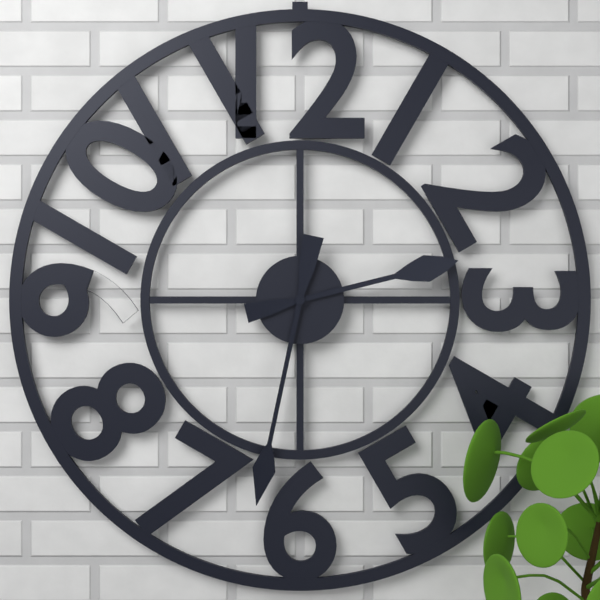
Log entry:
2 h 32 min
